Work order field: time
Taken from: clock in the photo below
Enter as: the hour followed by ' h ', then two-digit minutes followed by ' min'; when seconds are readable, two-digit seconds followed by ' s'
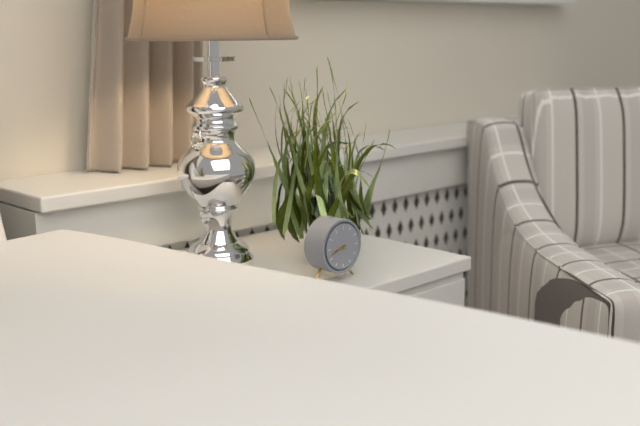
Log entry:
8 h 42 min
